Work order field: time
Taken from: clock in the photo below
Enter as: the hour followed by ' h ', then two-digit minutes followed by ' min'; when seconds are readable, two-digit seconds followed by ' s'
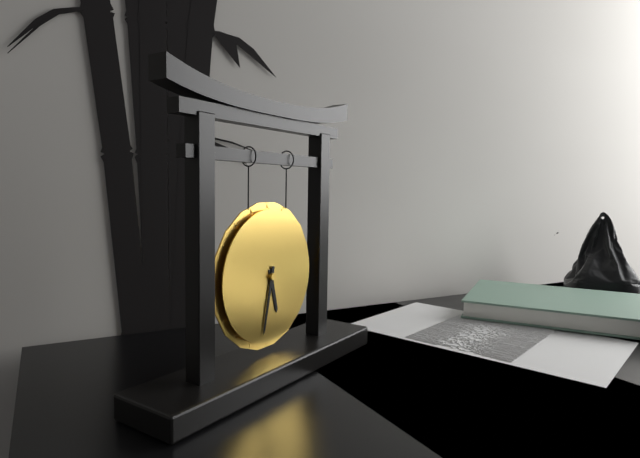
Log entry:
5 h 32 min
